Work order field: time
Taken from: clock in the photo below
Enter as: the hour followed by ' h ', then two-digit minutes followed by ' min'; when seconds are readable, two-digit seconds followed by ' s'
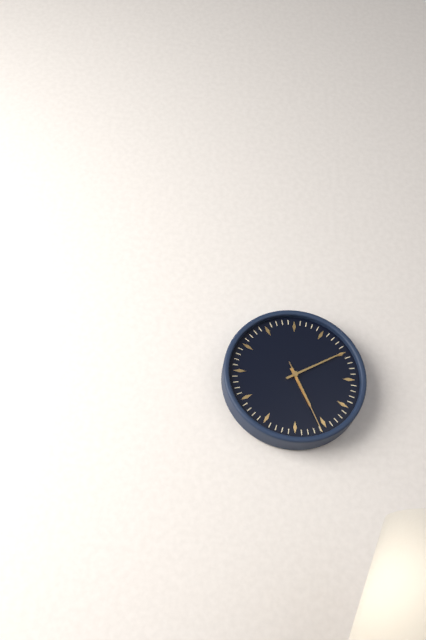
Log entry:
5 h 10 min 26 s
